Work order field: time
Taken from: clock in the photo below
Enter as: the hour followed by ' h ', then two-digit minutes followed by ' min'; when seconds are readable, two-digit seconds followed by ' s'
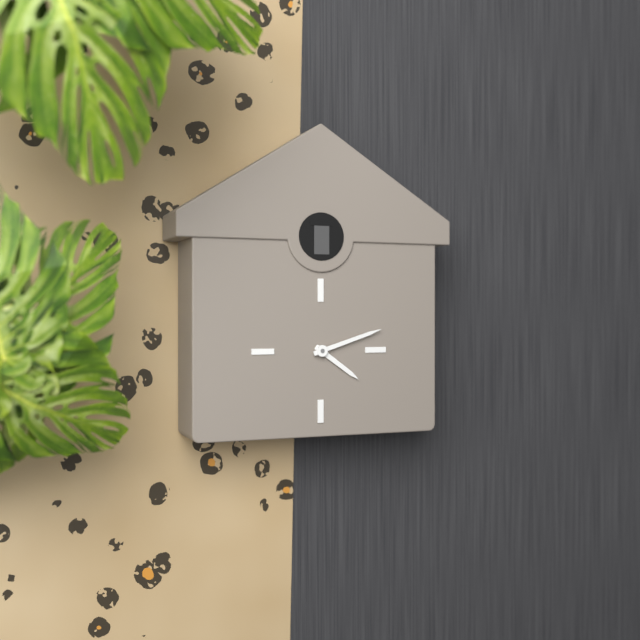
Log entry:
4 h 12 min
